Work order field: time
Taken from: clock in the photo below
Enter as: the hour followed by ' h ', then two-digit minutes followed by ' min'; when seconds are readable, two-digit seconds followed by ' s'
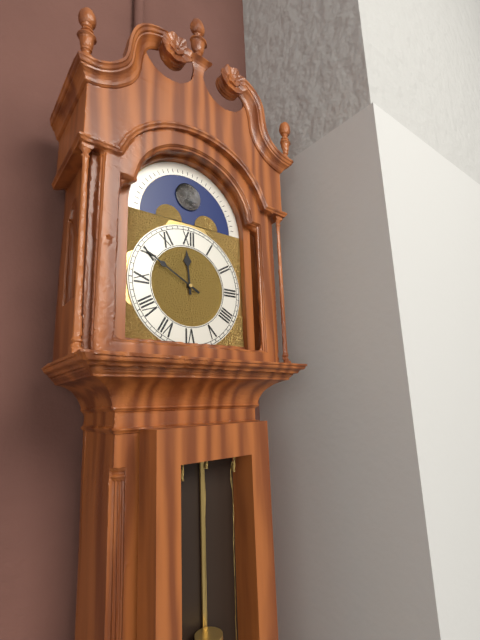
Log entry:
11 h 50 min
